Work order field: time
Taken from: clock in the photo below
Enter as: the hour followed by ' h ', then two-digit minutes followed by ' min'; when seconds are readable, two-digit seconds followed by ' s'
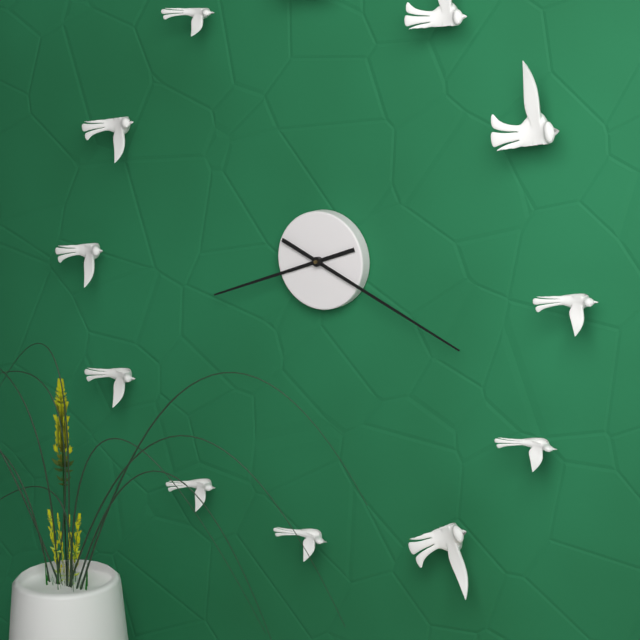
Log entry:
8 h 19 min
